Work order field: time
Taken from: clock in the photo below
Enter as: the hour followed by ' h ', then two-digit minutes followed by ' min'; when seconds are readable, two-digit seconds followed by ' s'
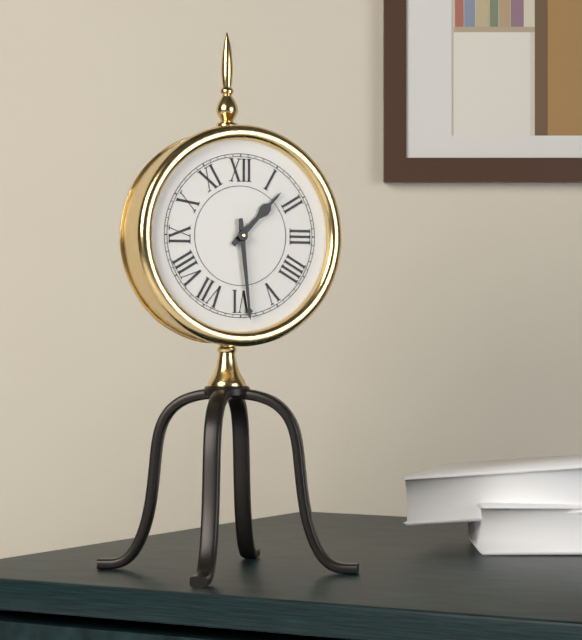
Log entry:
1 h 29 min
